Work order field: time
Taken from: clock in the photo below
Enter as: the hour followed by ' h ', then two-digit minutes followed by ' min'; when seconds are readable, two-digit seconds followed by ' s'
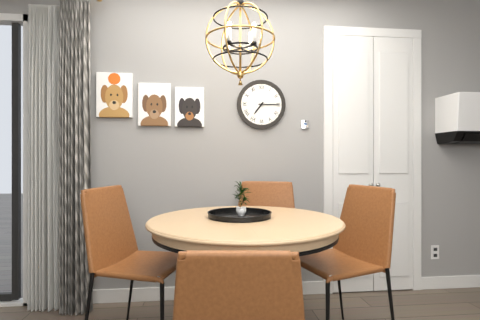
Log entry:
7 h 15 min
